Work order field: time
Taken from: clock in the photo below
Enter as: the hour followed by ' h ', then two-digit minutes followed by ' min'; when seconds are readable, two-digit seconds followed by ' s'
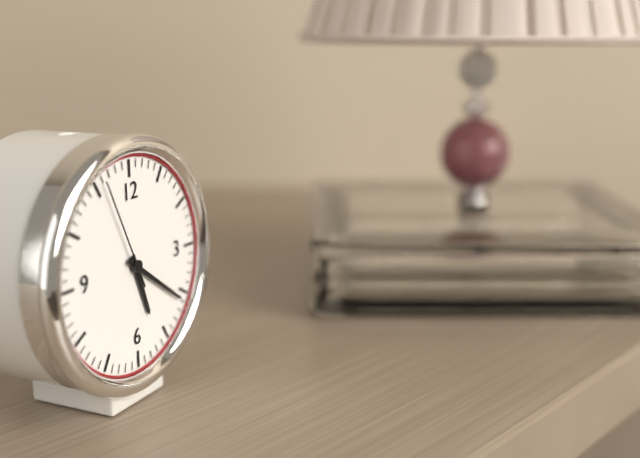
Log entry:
5 h 21 min 56 s
